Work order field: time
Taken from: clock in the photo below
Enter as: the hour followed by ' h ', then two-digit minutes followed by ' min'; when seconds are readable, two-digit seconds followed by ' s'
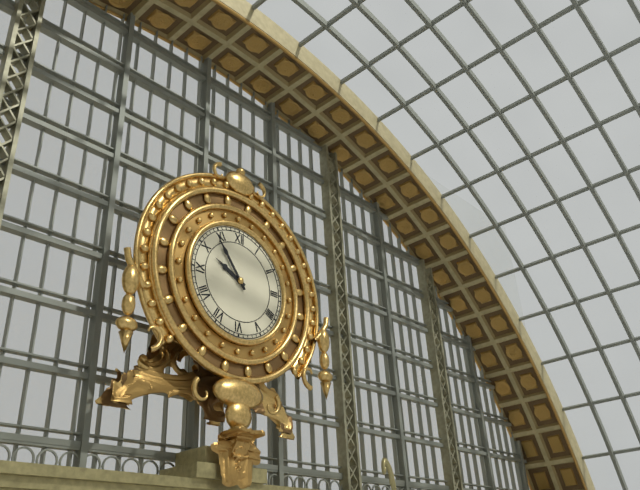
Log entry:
9 h 54 min
